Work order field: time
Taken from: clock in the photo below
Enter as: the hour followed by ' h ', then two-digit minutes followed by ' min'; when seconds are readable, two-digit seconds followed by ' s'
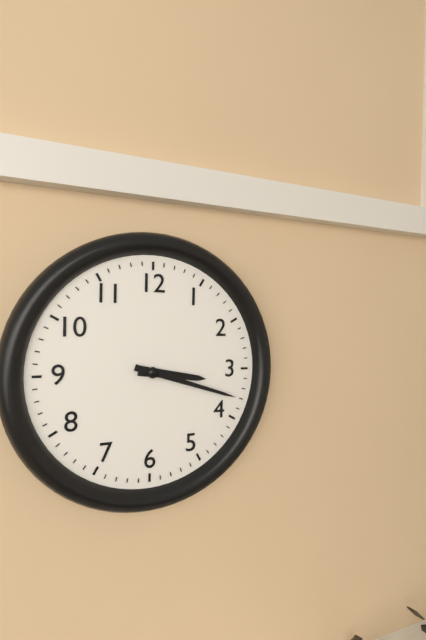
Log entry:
3 h 18 min
